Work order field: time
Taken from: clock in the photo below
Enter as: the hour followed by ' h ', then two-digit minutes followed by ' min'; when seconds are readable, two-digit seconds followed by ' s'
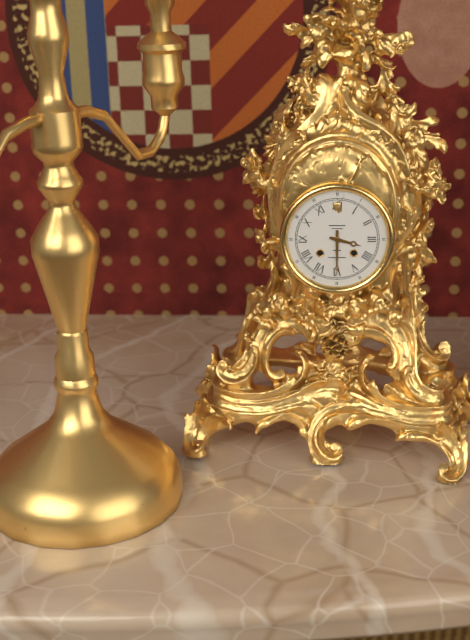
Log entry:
3 h 30 min
